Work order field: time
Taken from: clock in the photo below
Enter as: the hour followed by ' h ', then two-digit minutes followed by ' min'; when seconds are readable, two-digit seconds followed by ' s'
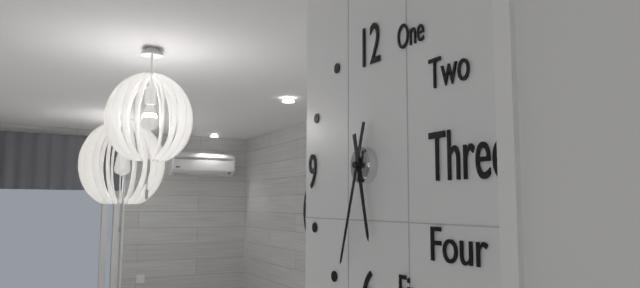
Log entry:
5 h 33 min
